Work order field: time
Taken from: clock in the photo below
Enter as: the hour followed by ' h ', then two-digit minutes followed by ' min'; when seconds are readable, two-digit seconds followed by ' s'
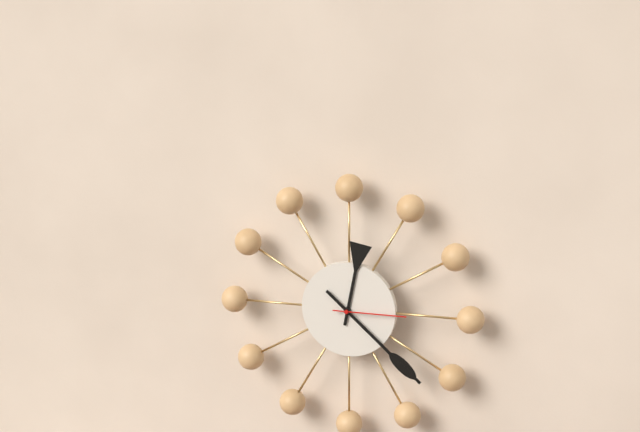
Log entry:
12 h 22 min 15 s
